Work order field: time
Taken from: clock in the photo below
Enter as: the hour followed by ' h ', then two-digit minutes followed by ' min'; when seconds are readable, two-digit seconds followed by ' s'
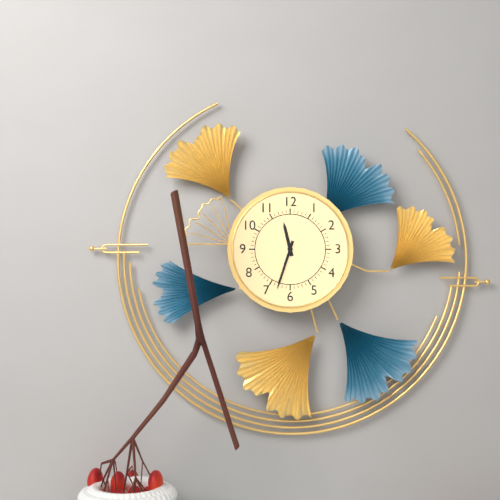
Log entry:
11 h 33 min
